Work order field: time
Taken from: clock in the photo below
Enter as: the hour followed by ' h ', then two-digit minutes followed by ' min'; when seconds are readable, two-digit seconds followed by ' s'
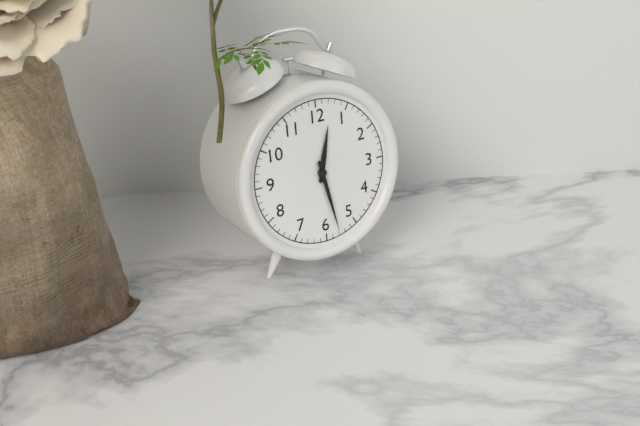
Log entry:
12 h 28 min
